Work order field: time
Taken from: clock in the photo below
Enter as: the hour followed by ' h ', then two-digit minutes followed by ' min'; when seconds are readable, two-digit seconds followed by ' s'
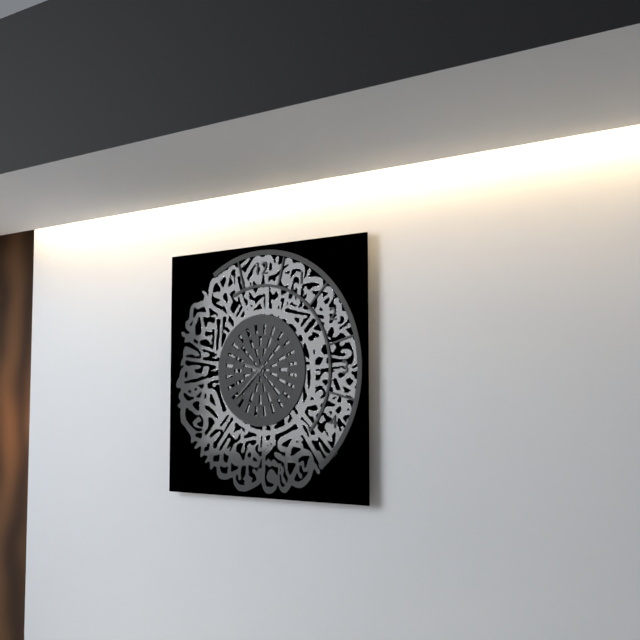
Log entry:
9 h 38 min
